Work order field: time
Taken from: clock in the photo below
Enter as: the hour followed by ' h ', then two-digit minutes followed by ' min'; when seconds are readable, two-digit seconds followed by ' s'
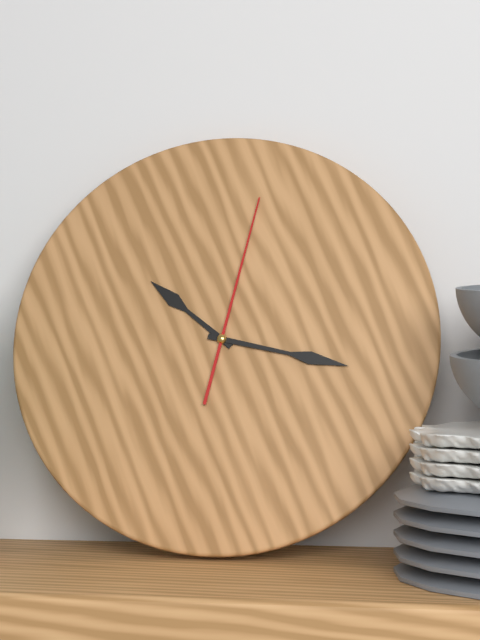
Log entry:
10 h 17 min 02 s
